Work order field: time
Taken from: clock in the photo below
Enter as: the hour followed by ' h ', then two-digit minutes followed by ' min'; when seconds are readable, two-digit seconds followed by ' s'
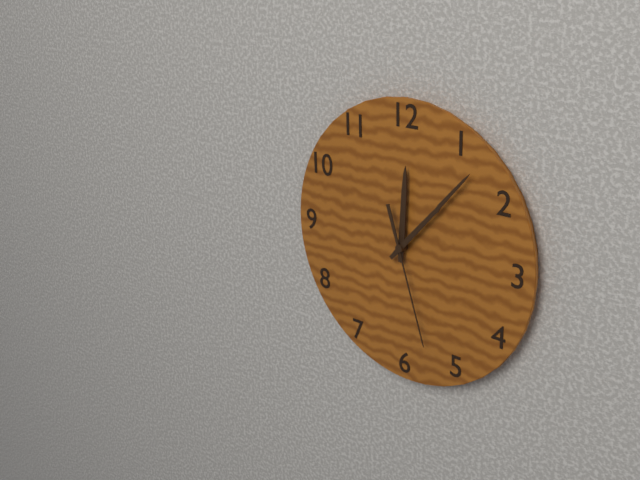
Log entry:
12 h 07 min 27 s
